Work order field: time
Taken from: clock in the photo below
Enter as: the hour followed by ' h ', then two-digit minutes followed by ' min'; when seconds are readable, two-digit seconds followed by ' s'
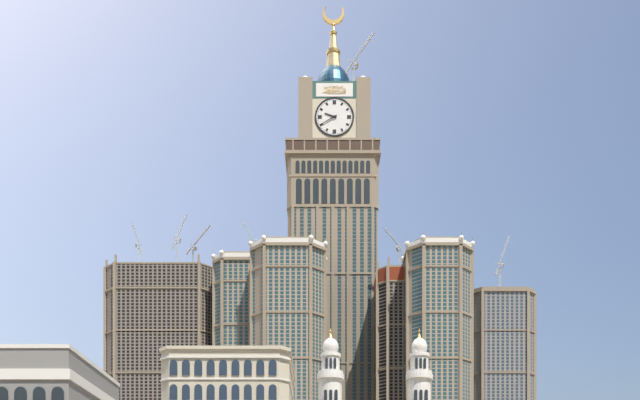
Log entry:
9 h 40 min
